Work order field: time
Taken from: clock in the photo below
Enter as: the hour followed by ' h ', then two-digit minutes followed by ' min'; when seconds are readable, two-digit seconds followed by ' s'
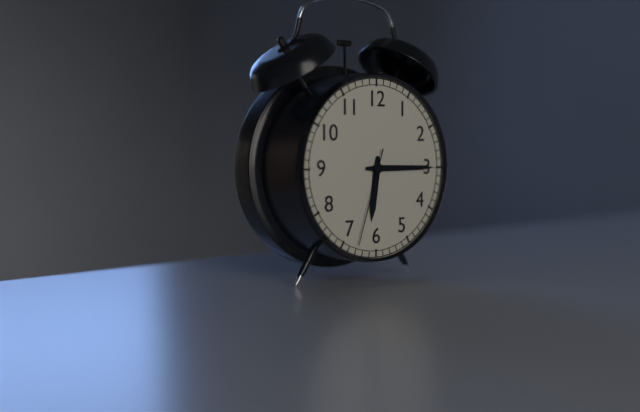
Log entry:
6 h 15 min 33 s
